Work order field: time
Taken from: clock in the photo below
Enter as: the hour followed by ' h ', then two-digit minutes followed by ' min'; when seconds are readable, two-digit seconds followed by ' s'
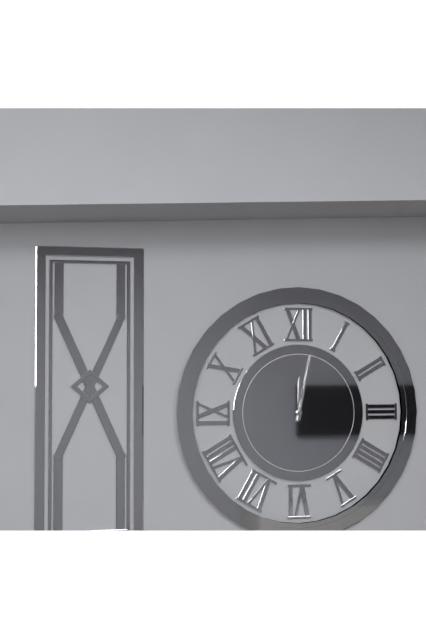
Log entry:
12 h 02 min
